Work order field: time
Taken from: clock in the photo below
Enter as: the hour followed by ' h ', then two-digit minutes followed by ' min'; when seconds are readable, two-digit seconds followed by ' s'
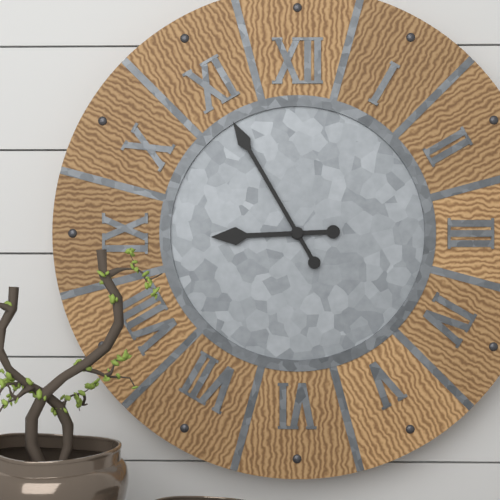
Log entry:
8 h 55 min
